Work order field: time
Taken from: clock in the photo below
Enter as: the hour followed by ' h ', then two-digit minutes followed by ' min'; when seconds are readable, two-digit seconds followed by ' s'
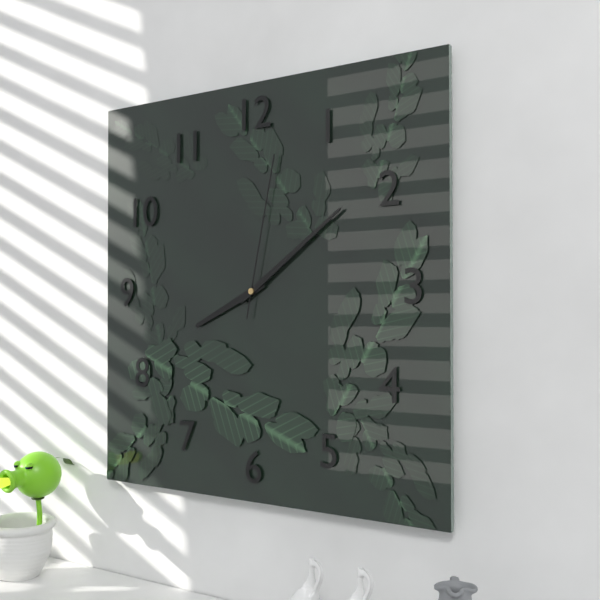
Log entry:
8 h 09 min 02 s
